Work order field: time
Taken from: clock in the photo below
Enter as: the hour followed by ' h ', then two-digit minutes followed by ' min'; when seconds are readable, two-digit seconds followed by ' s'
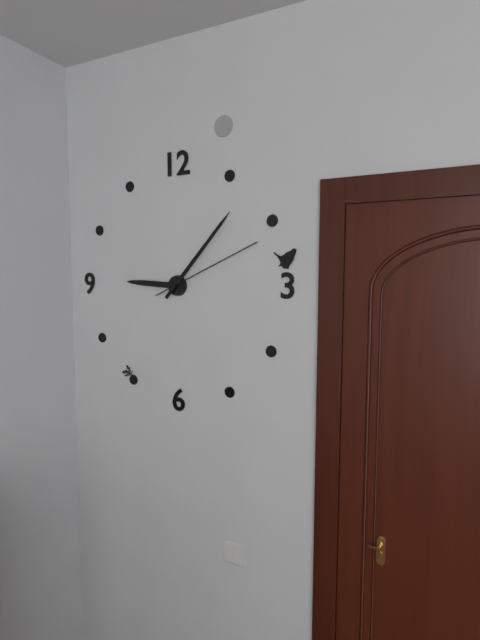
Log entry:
9 h 07 min 11 s
